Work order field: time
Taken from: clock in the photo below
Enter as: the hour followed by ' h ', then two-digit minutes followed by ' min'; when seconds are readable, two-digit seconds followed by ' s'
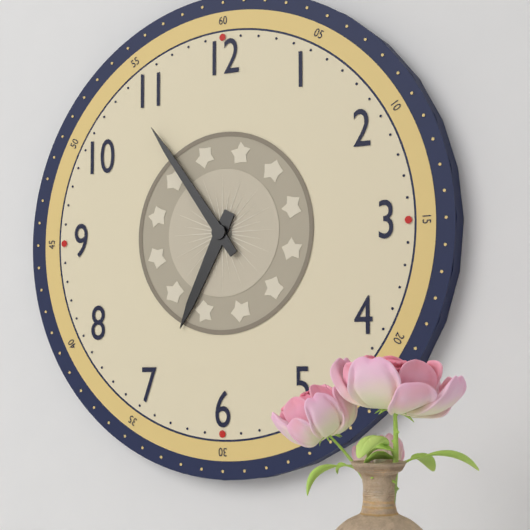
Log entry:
6 h 54 min
